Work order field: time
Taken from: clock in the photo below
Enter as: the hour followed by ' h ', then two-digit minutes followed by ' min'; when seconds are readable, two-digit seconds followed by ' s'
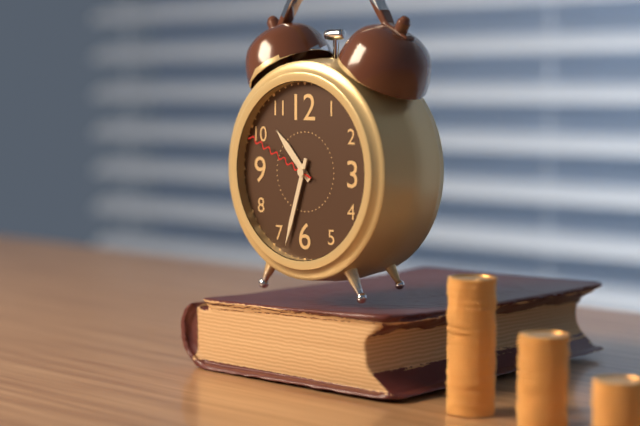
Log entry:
10 h 33 min 49 s
